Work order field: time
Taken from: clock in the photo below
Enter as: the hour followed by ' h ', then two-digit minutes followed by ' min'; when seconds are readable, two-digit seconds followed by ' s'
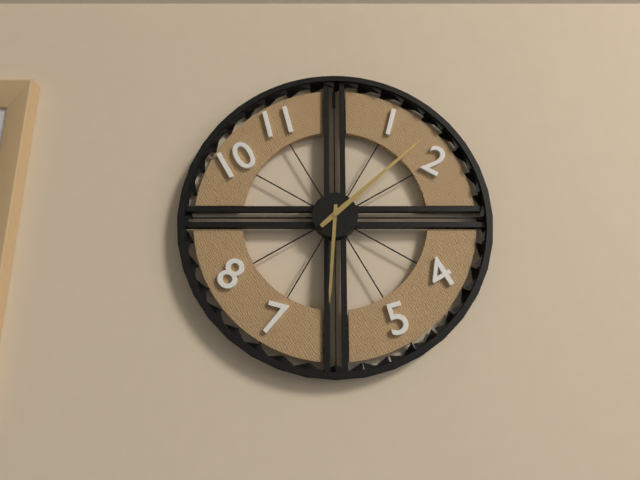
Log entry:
6 h 08 min
